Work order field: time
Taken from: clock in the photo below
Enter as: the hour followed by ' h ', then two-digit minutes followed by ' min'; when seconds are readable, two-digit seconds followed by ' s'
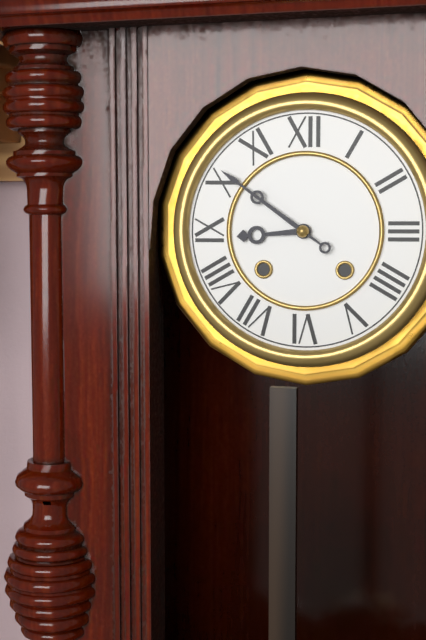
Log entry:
8 h 51 min
